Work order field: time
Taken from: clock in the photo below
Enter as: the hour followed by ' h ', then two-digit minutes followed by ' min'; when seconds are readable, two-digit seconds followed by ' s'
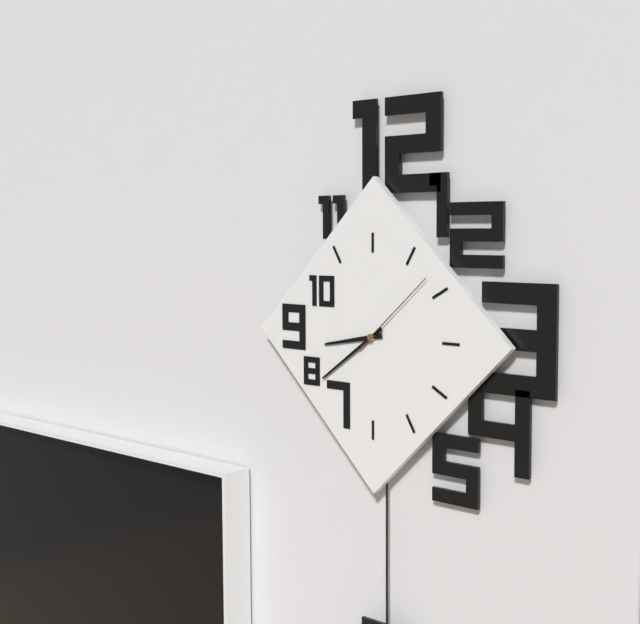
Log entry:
8 h 39 min 08 s
